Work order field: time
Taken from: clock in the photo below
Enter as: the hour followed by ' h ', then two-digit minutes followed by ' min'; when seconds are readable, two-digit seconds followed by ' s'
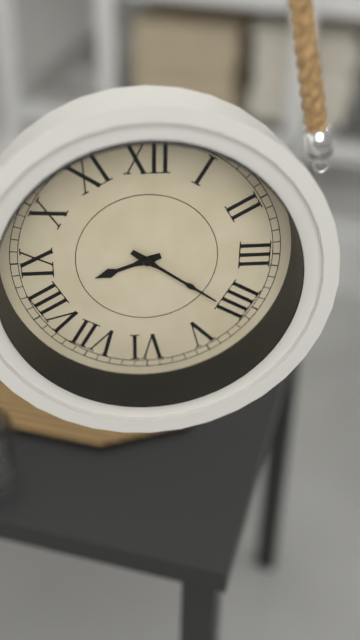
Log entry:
8 h 21 min
